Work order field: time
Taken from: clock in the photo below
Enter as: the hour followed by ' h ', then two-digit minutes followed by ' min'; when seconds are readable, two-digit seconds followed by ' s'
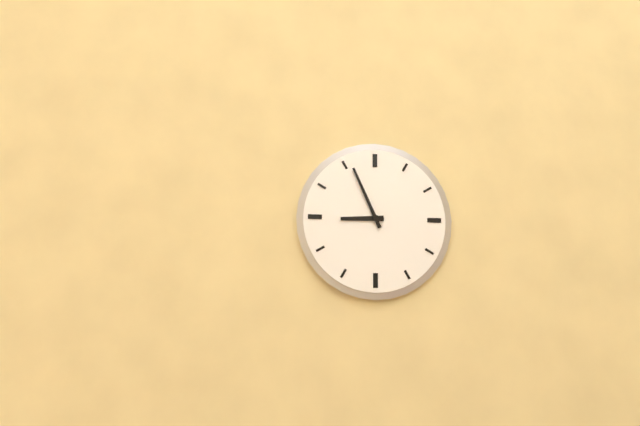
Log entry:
8 h 56 min
